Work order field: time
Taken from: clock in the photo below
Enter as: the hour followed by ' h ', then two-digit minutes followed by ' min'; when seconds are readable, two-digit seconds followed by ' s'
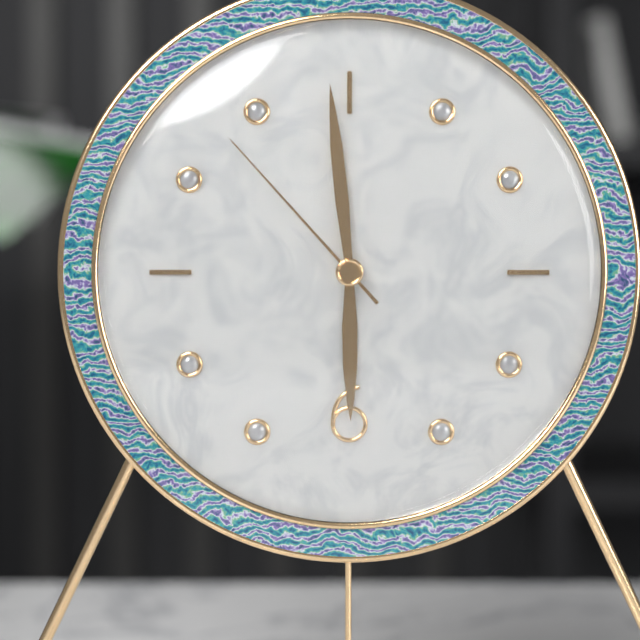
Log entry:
5 h 59 min 53 s
